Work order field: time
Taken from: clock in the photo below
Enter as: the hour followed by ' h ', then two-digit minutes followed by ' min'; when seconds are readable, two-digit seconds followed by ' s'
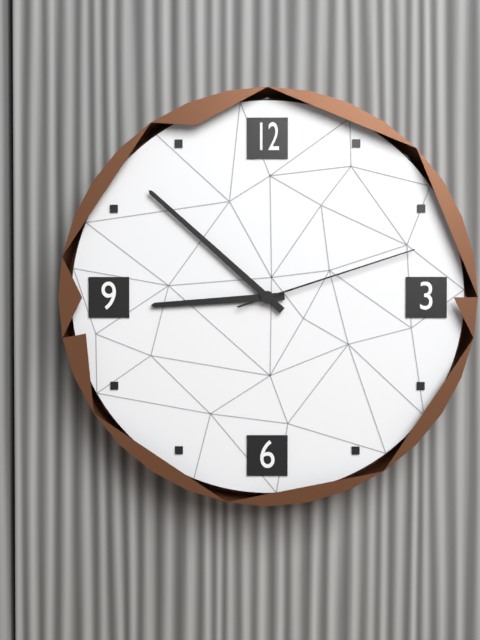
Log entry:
8 h 52 min 12 s
